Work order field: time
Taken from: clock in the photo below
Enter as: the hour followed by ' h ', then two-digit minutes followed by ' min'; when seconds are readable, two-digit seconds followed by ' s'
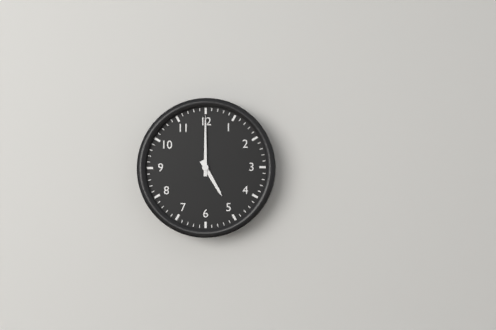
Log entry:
5 h 00 min
